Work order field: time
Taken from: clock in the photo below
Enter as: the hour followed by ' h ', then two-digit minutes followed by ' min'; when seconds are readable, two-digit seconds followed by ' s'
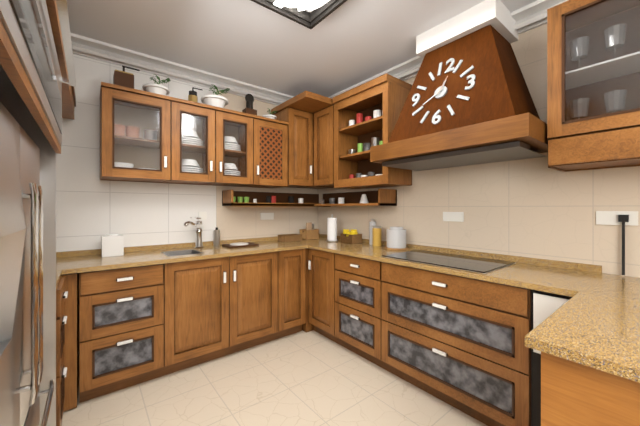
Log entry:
12 h 40 min
